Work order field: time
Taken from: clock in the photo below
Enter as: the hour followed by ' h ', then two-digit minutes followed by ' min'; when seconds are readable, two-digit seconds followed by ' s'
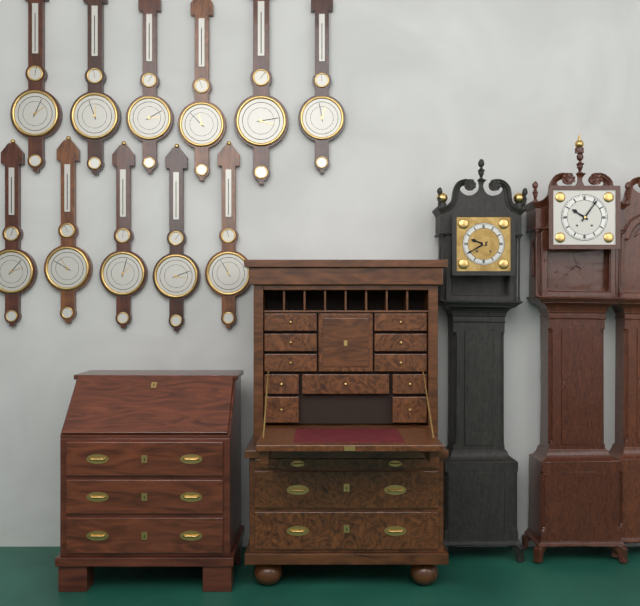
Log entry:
10 h 06 min
